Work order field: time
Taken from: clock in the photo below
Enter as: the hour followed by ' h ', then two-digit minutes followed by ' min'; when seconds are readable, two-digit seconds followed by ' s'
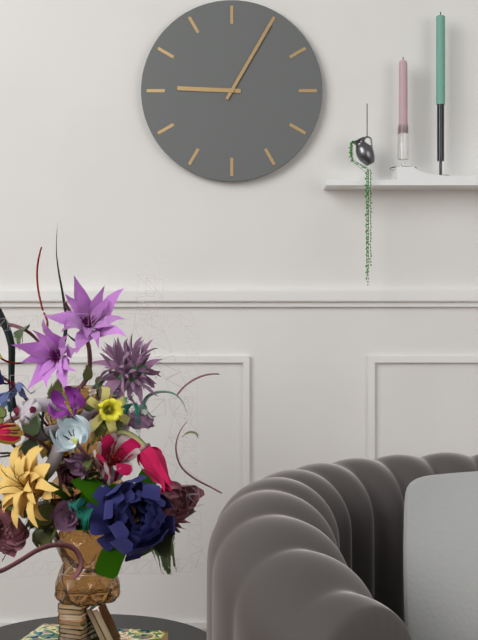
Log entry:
9 h 05 min
